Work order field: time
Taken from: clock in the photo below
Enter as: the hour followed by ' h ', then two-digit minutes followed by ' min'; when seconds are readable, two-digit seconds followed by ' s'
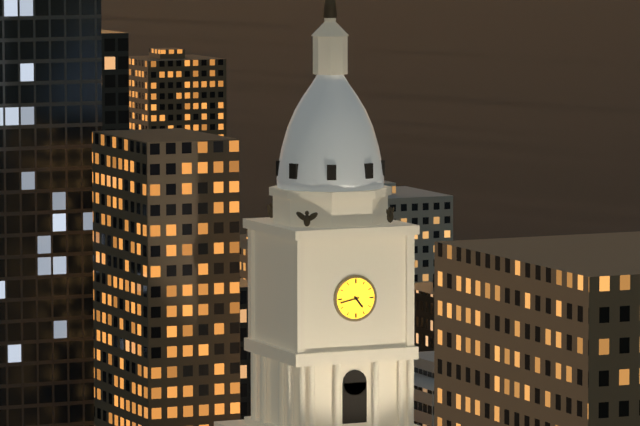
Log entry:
4 h 43 min
